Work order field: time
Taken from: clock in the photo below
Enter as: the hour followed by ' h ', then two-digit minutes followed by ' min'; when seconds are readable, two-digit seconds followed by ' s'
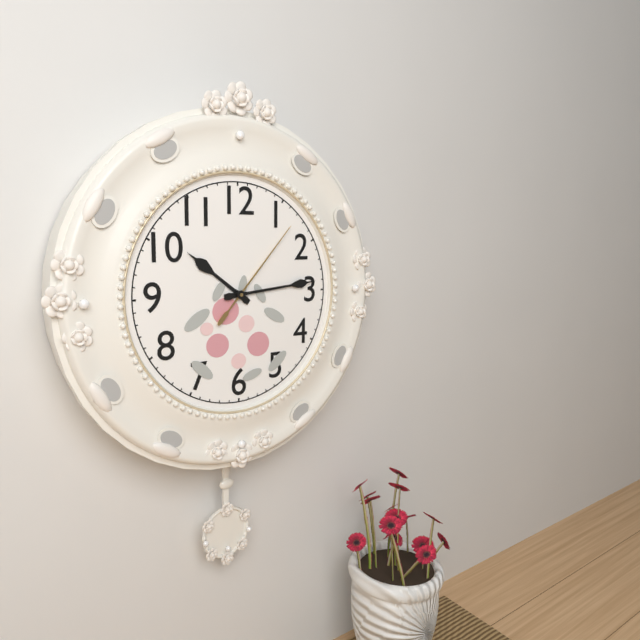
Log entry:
10 h 14 min 07 s
